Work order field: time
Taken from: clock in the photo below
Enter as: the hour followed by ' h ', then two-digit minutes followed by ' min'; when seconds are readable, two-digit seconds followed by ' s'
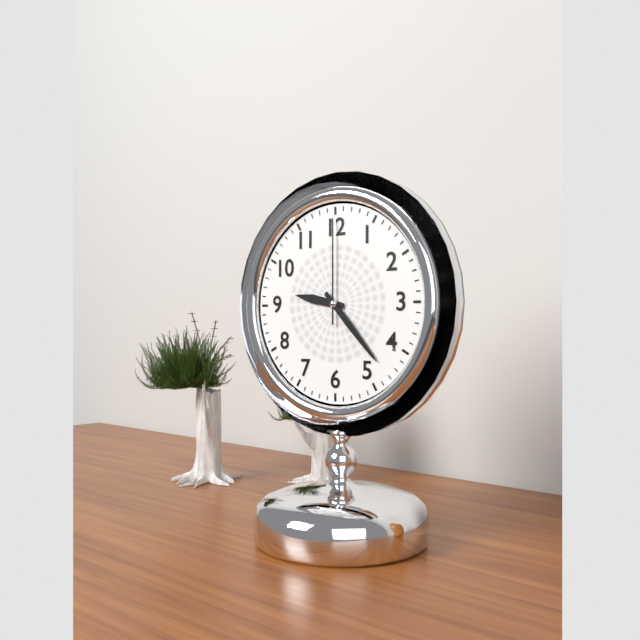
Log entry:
9 h 23 min 00 s
